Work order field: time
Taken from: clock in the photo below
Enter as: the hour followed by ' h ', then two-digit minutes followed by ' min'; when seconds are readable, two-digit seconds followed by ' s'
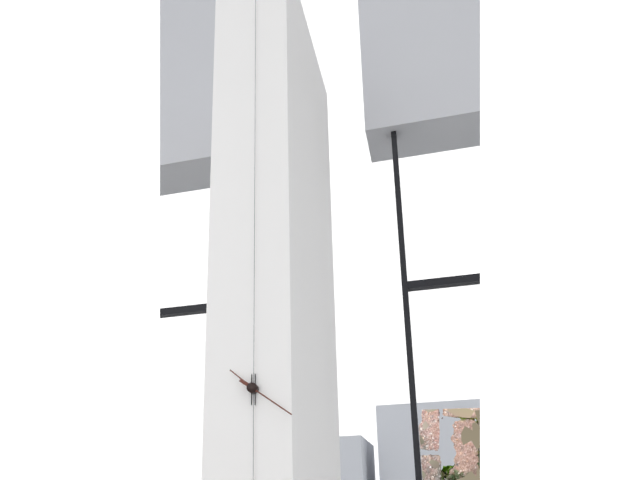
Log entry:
10 h 21 min
